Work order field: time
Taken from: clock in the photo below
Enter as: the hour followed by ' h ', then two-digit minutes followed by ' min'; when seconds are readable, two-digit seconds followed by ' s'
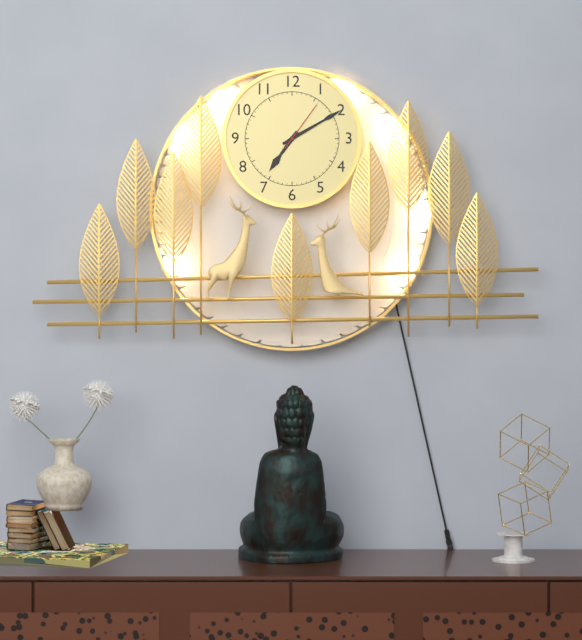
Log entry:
7 h 10 min 06 s
